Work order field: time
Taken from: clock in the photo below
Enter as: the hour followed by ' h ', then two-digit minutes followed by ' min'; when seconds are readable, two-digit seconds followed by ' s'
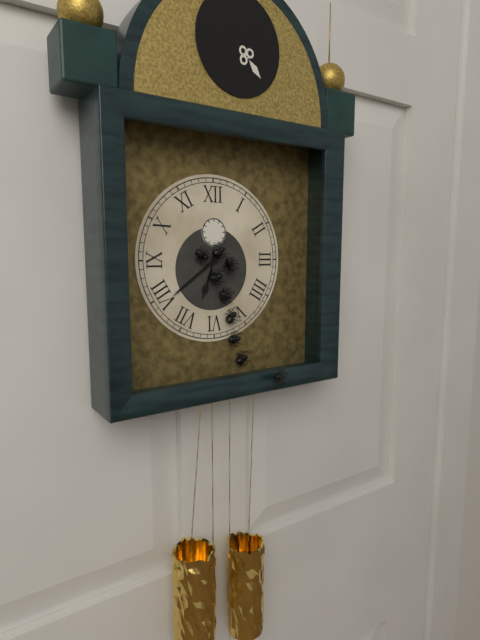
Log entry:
6 h 39 min
